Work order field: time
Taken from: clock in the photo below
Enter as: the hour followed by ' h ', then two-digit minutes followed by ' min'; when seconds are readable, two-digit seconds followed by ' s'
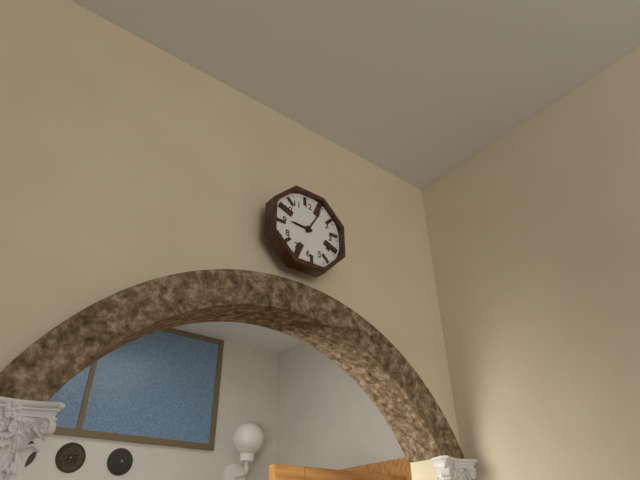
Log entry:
9 h 05 min
